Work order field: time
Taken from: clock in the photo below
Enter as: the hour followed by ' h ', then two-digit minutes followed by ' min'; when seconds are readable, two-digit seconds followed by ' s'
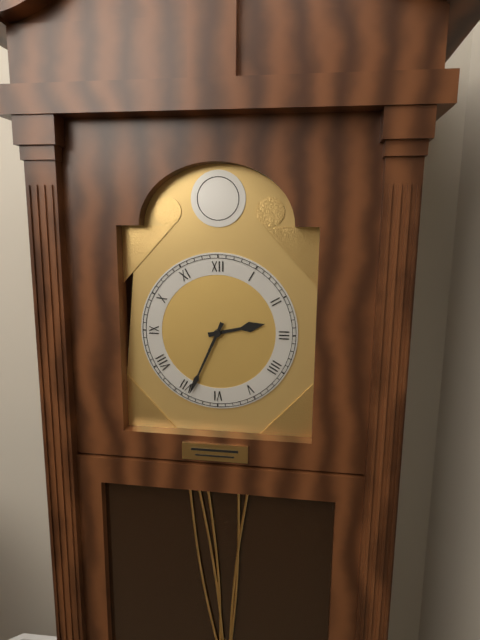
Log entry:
2 h 34 min
